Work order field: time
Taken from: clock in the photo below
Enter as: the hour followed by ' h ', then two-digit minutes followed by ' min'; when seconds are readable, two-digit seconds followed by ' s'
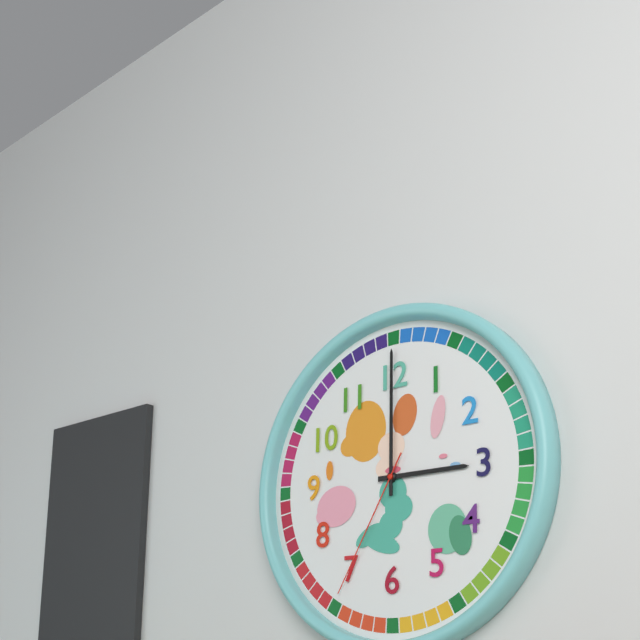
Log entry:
3 h 00 min 35 s
